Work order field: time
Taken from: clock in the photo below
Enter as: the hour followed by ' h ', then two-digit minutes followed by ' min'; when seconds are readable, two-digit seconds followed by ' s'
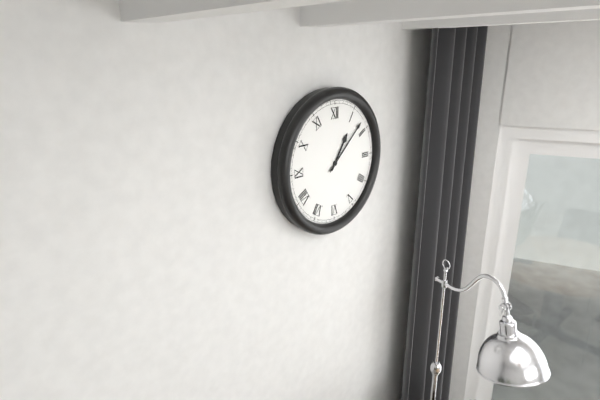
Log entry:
1 h 08 min
